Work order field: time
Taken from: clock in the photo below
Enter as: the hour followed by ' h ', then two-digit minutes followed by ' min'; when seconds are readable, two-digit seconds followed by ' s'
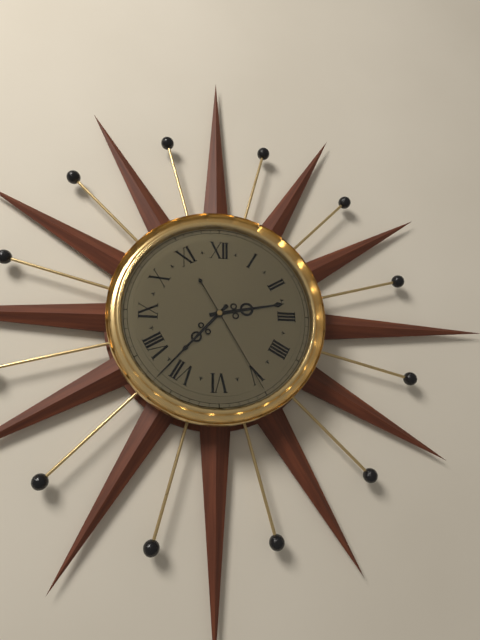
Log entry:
2 h 37 min 25 s
